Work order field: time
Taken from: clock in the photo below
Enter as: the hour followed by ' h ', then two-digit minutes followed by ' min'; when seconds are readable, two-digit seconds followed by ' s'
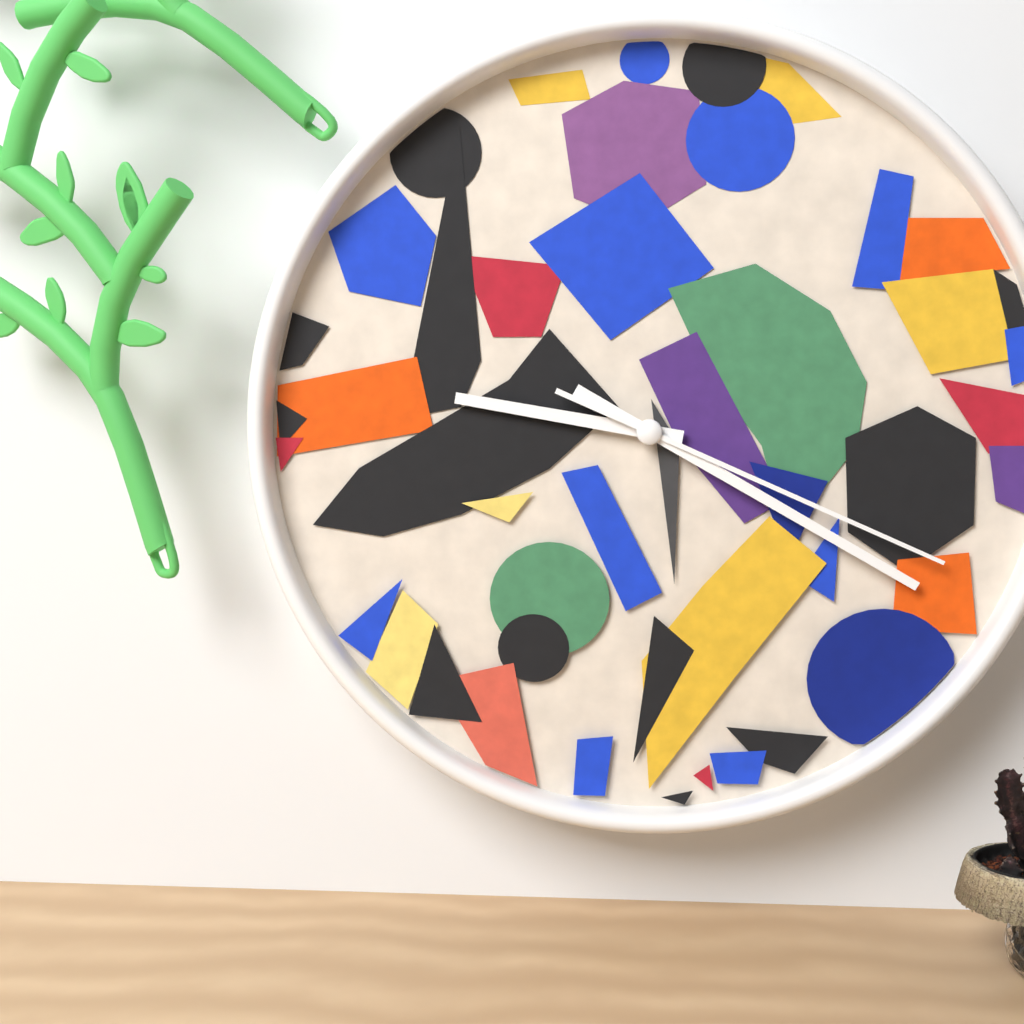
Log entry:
9 h 20 min 19 s
